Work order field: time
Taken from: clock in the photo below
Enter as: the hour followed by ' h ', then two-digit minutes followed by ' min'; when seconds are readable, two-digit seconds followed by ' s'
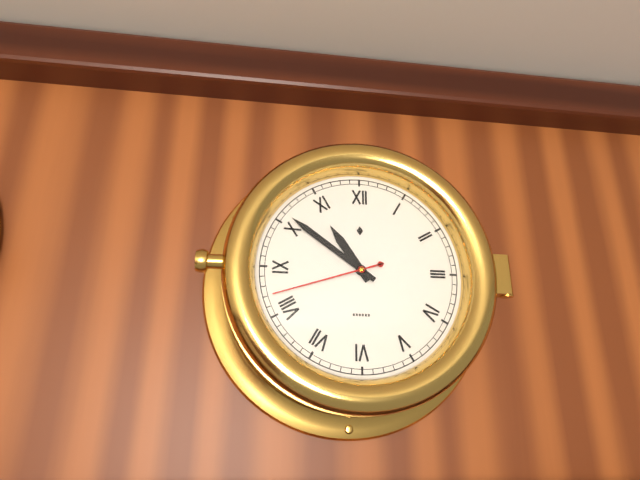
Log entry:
10 h 51 min 42 s
